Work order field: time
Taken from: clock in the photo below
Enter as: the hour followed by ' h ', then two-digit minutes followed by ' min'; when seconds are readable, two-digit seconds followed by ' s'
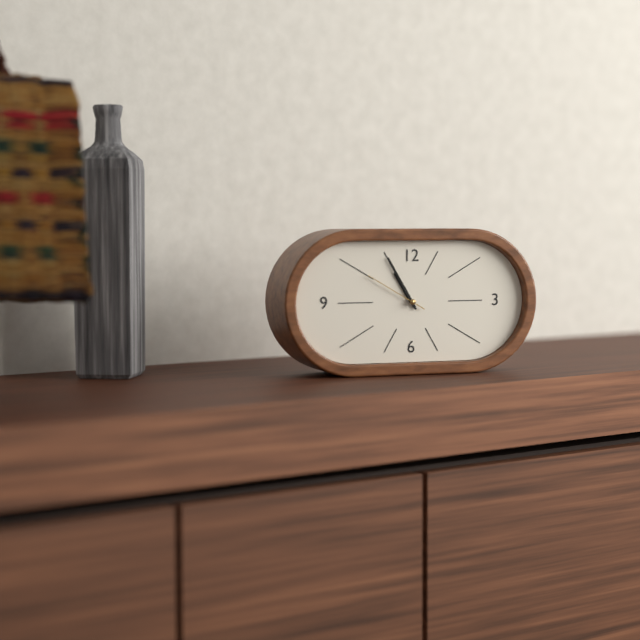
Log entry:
10 h 55 min 50 s
